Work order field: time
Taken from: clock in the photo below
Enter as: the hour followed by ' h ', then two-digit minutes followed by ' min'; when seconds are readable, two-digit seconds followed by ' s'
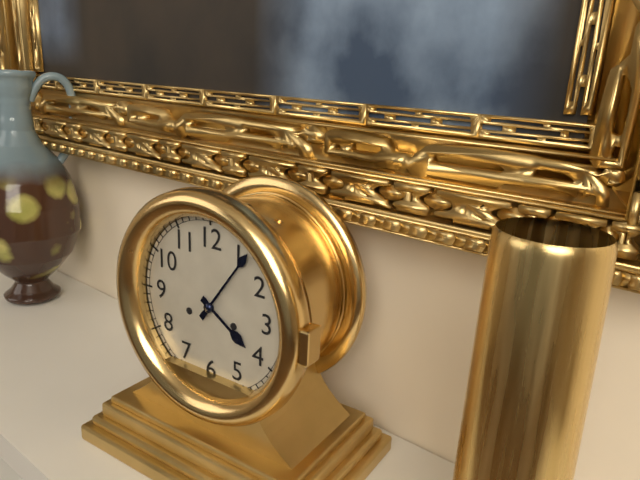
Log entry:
4 h 06 min
